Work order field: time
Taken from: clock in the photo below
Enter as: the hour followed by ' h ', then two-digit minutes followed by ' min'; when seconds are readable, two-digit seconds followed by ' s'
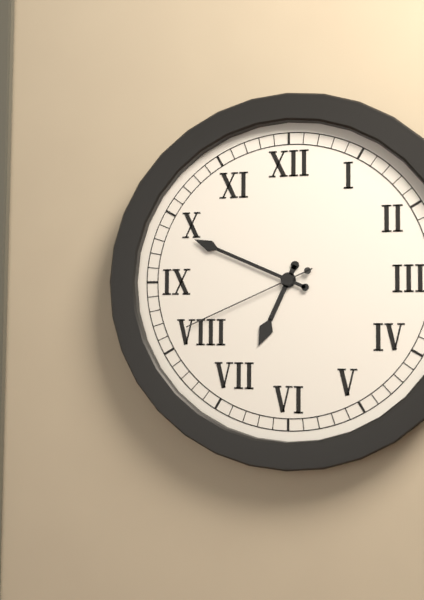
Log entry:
6 h 49 min 41 s
